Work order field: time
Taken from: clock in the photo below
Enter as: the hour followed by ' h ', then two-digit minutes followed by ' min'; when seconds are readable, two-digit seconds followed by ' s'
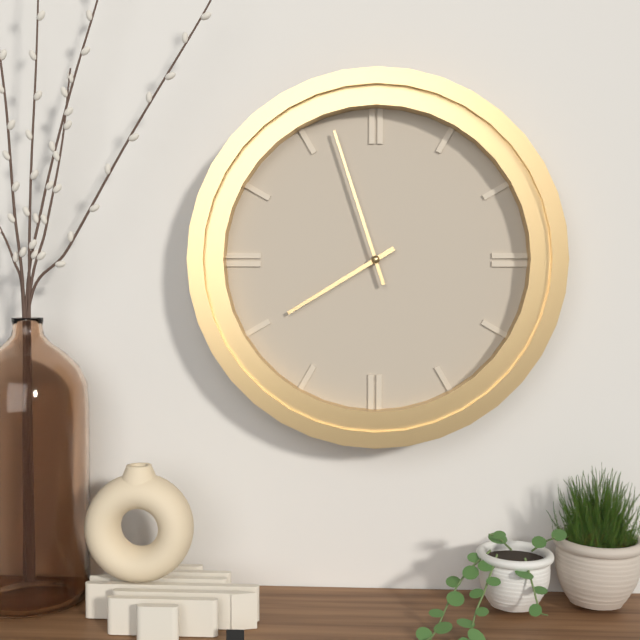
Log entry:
7 h 57 min
